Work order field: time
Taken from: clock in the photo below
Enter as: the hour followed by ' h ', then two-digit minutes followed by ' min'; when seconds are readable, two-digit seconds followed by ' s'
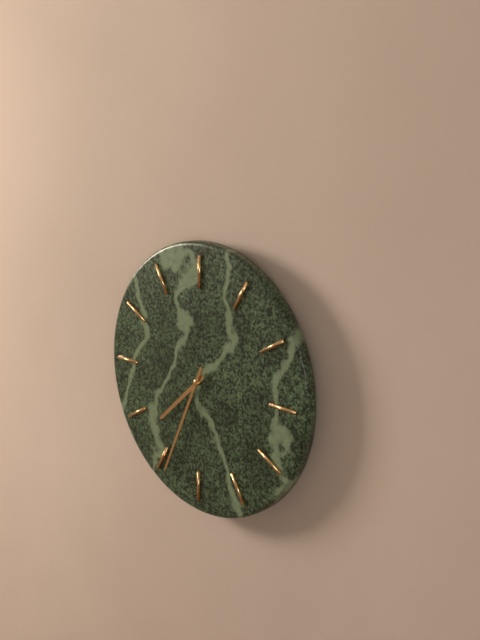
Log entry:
7 h 34 min
